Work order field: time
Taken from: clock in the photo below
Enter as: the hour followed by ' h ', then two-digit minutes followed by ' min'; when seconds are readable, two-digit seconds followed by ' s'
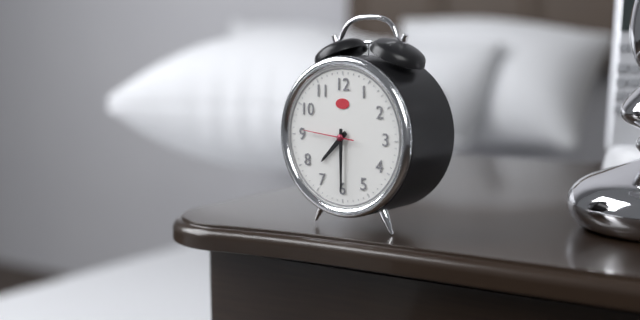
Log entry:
7 h 30 min
